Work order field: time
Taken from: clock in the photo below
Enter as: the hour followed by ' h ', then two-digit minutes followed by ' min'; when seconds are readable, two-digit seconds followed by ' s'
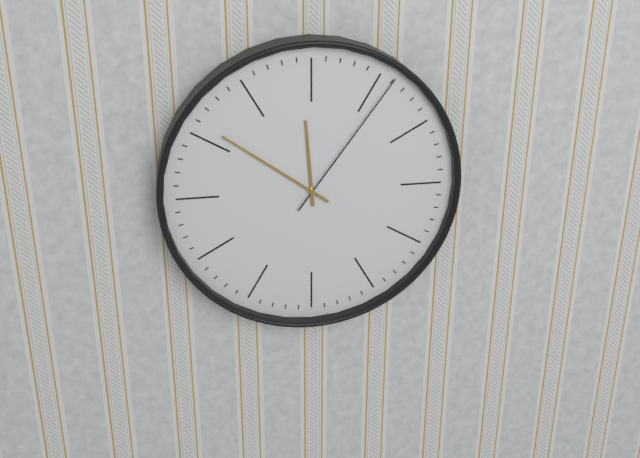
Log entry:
11 h 51 min 06 s
